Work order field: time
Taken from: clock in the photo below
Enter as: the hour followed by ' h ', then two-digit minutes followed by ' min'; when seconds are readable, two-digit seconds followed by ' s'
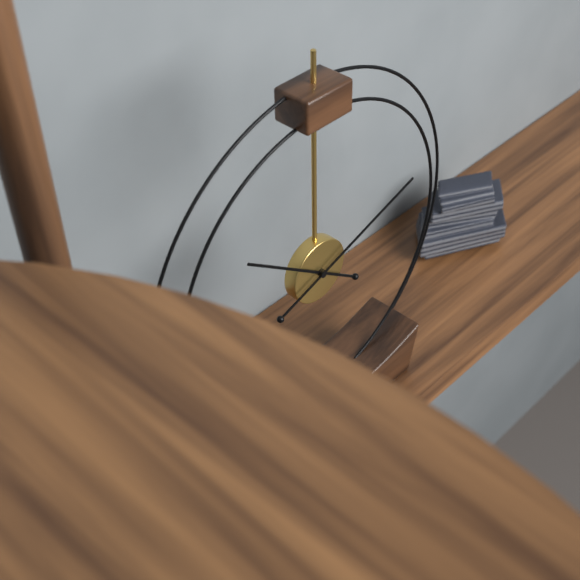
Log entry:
10 h 12 min
